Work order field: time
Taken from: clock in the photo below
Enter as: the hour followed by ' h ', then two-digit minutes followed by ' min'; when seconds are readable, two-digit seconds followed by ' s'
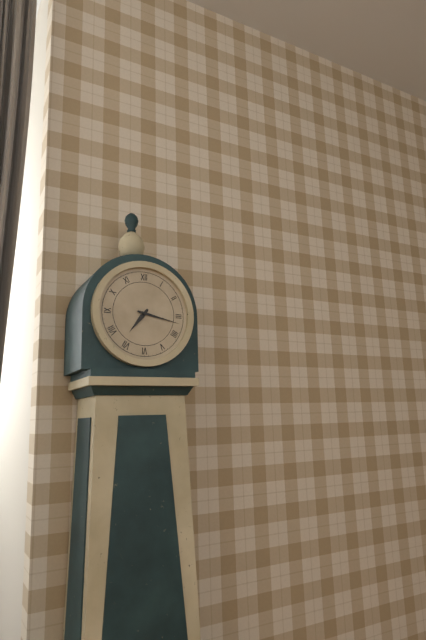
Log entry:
7 h 17 min
